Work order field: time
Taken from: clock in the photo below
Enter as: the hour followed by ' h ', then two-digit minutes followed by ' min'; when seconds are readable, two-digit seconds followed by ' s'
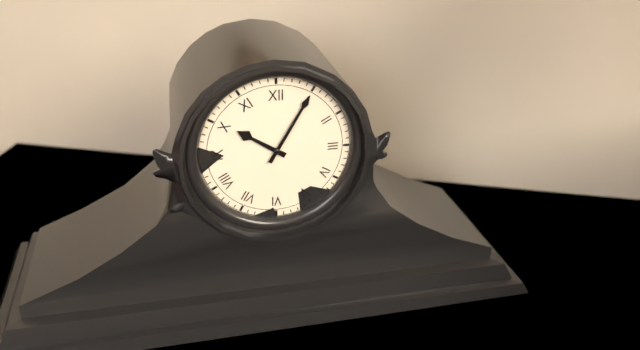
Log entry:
10 h 05 min
